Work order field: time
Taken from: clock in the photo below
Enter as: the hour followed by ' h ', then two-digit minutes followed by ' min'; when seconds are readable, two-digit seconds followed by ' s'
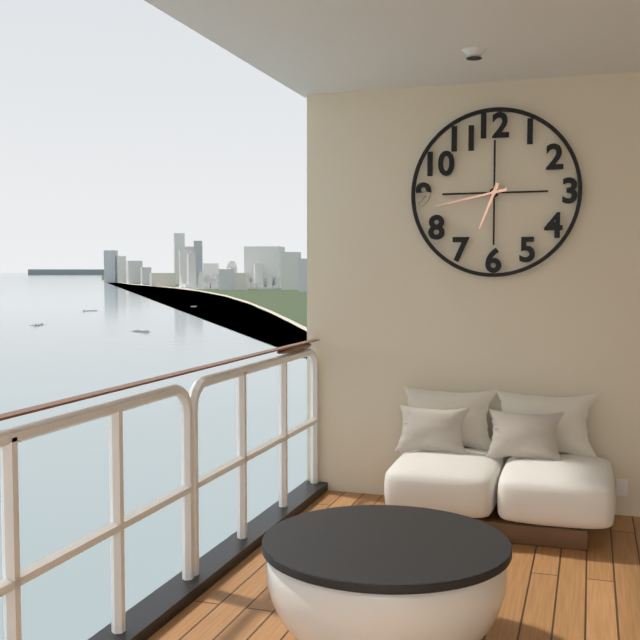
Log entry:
6 h 43 min
